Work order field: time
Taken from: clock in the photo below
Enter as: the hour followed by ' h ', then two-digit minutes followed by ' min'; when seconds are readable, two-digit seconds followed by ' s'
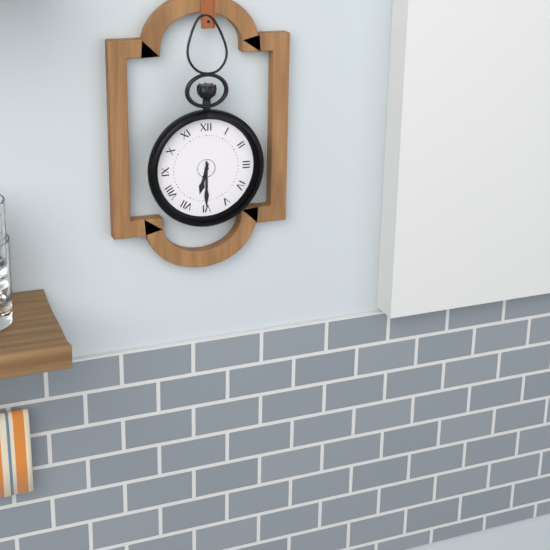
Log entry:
6 h 30 min
